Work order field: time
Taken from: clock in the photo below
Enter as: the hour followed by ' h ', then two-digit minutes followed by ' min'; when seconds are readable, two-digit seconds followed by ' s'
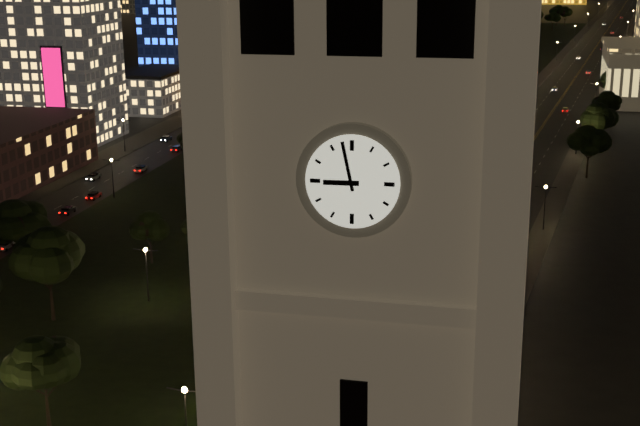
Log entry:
8 h 58 min
